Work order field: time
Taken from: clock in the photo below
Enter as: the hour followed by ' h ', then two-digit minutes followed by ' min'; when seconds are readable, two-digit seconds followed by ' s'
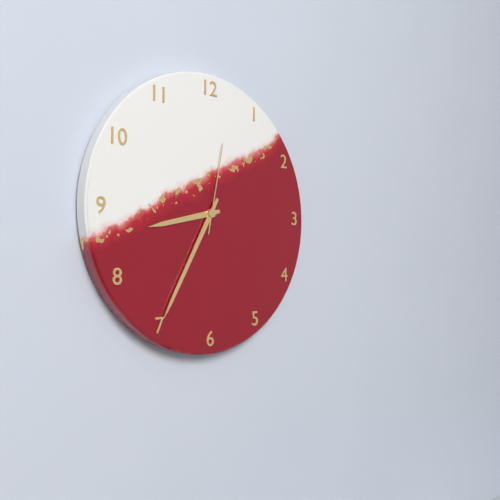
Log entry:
8 h 35 min 02 s
